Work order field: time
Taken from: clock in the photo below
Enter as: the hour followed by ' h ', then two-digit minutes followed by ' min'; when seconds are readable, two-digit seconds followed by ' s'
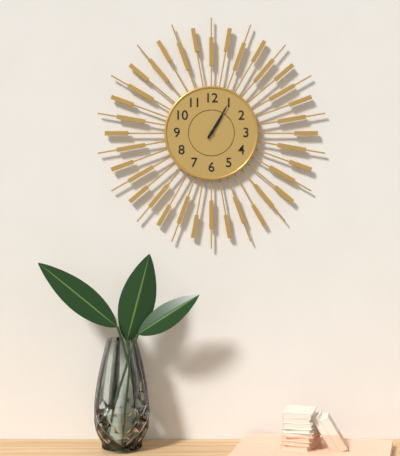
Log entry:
1 h 05 min
